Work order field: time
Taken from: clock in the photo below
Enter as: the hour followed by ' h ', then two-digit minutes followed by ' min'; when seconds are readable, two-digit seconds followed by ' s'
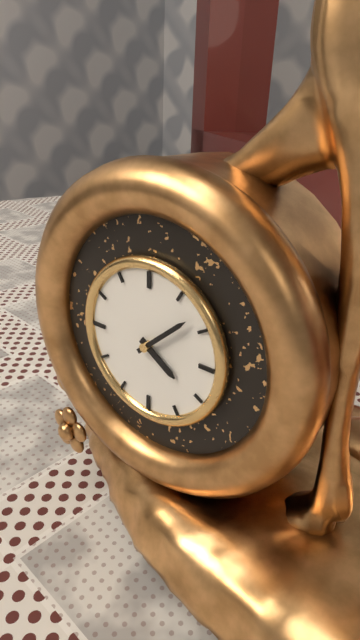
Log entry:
4 h 08 min
